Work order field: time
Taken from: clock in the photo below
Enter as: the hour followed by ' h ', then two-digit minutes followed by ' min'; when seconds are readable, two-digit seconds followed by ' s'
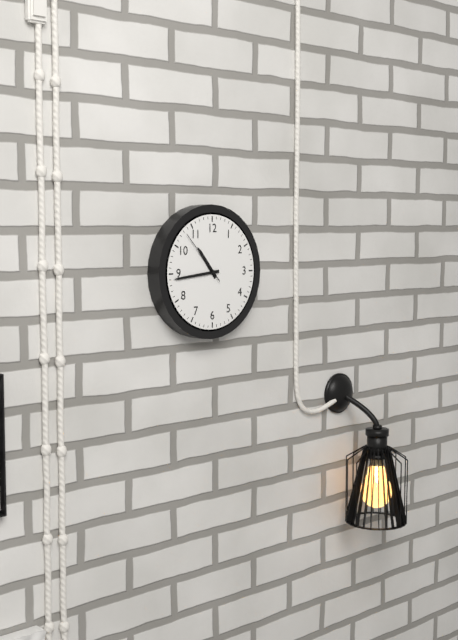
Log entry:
10 h 44 min 53 s
